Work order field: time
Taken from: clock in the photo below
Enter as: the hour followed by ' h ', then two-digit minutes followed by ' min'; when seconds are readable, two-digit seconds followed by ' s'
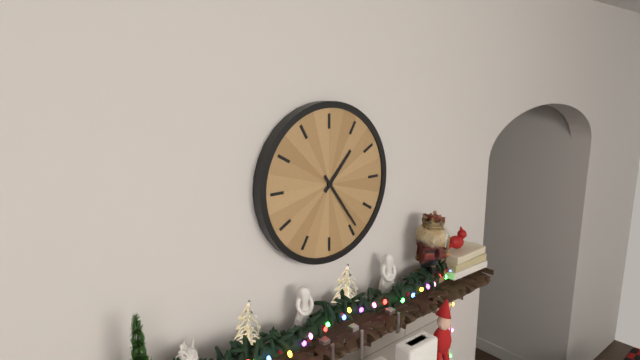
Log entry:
1 h 24 min
